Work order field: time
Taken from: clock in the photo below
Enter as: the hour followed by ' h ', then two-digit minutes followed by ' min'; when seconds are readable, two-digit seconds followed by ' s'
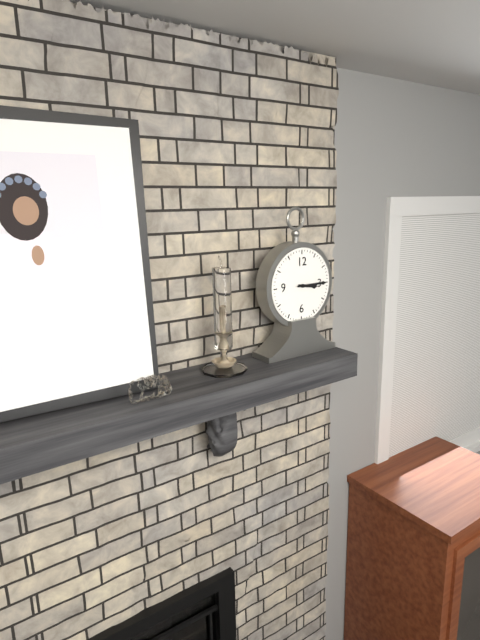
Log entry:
3 h 15 min
